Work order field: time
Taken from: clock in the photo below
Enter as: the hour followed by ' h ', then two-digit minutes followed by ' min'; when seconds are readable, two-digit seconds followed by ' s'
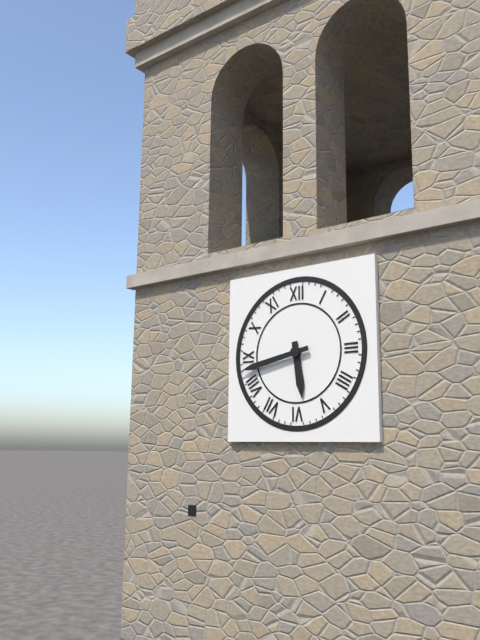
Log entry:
5 h 43 min
